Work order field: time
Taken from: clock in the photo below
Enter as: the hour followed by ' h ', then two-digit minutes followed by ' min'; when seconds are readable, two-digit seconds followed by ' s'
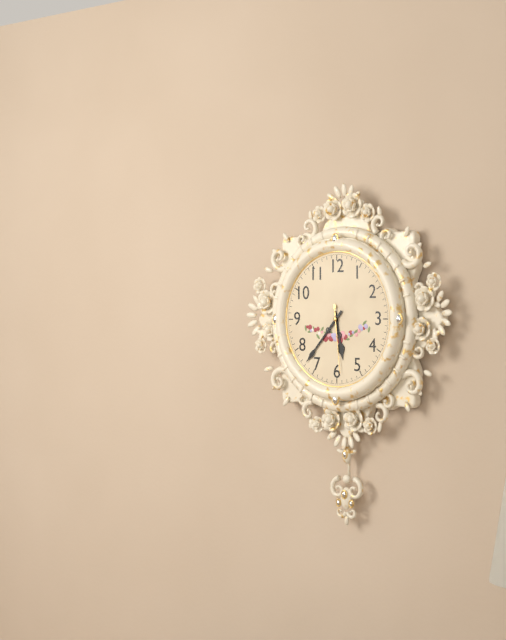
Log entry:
5 h 37 min 29 s
